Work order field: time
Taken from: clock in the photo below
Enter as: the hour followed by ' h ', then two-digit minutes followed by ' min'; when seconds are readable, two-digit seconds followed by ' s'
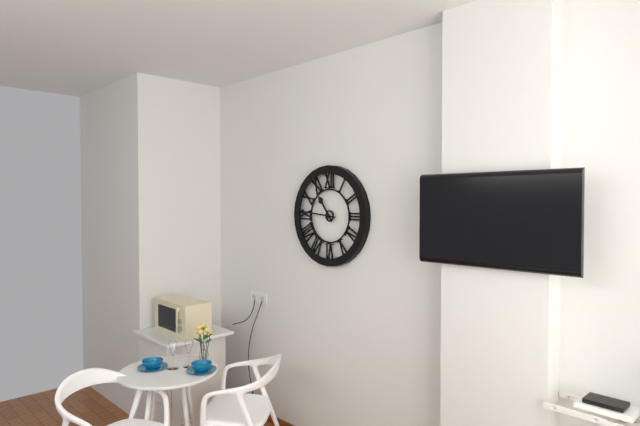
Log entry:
10 h 46 min
